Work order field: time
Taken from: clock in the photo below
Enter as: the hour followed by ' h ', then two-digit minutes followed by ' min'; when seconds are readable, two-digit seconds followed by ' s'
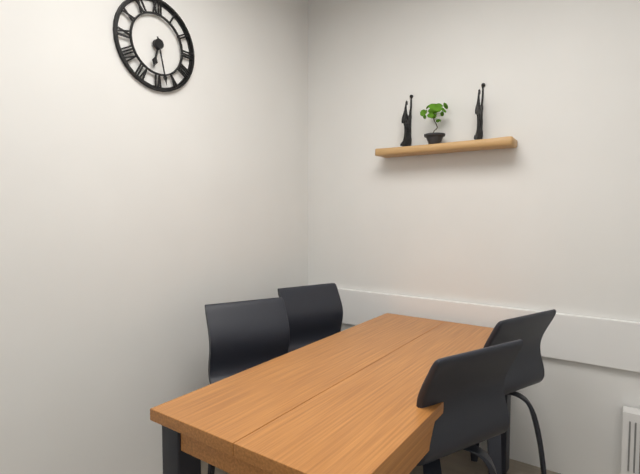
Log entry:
6 h 28 min
